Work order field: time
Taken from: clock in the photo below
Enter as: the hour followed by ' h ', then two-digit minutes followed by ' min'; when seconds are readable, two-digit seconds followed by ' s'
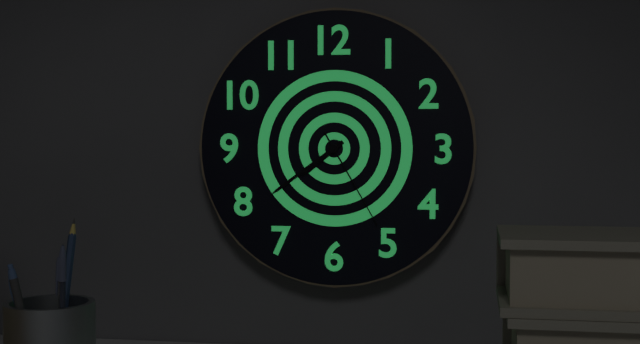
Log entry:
7 h 39 min 25 s
